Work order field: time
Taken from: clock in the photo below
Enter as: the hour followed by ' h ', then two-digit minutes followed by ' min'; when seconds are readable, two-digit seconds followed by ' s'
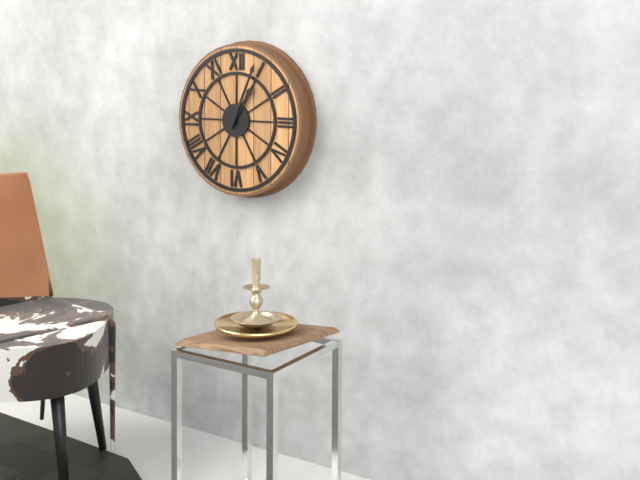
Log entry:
1 h 04 min
